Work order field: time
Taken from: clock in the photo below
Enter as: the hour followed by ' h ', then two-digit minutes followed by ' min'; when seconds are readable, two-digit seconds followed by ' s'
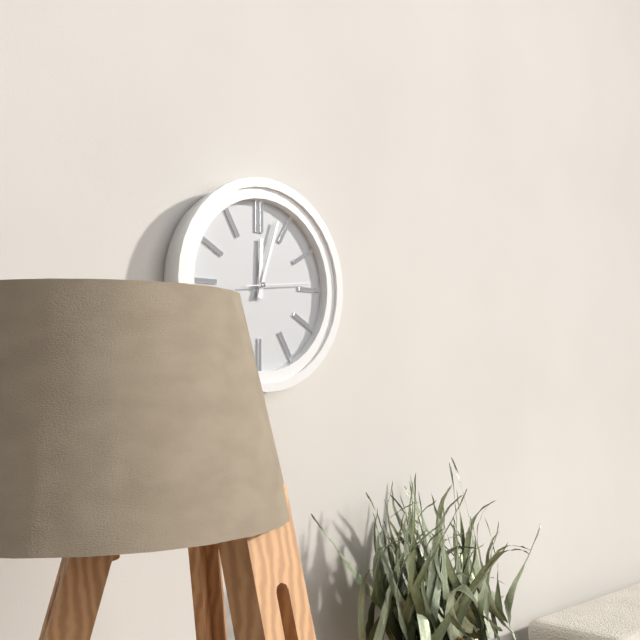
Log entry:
12 h 03 min 14 s
